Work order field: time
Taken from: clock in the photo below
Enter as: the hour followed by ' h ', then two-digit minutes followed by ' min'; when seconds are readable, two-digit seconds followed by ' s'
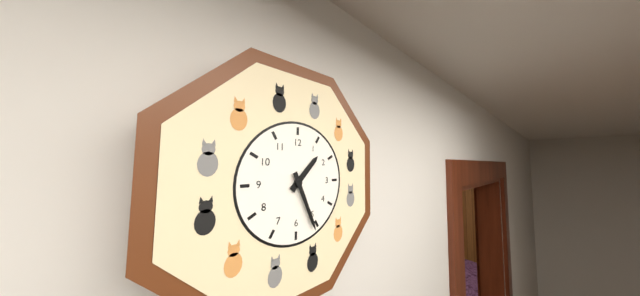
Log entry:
1 h 26 min
